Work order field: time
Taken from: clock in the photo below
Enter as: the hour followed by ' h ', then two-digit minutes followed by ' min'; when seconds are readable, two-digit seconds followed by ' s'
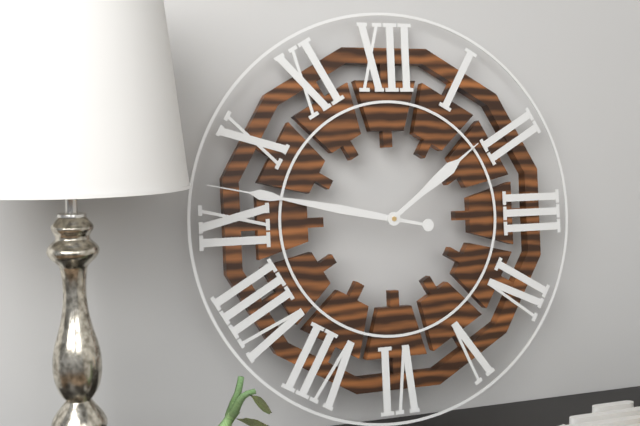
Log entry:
1 h 47 min
